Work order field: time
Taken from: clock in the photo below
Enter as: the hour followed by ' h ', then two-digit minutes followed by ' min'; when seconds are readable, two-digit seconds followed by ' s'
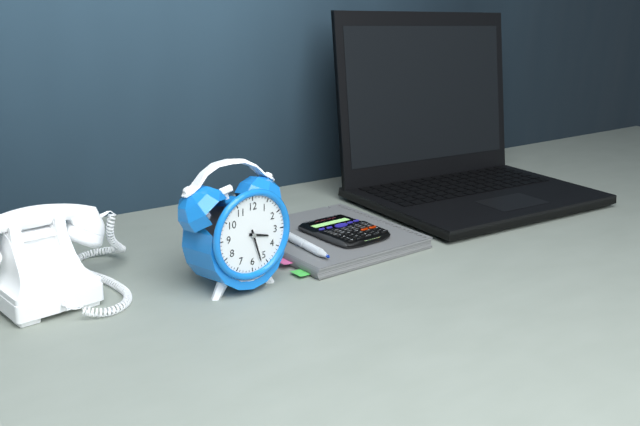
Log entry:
3 h 27 min
